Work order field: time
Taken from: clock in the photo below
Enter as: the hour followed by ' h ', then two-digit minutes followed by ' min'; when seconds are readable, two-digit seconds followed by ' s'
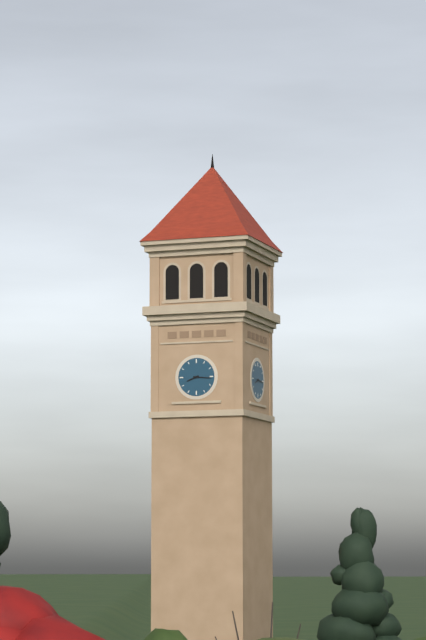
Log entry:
8 h 16 min
